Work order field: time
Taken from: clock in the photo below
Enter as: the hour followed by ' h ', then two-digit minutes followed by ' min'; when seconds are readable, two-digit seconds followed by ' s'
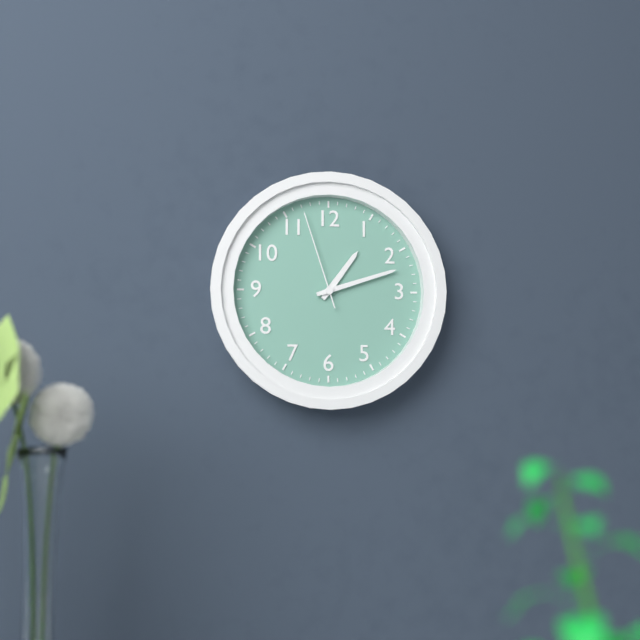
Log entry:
1 h 12 min 57 s
